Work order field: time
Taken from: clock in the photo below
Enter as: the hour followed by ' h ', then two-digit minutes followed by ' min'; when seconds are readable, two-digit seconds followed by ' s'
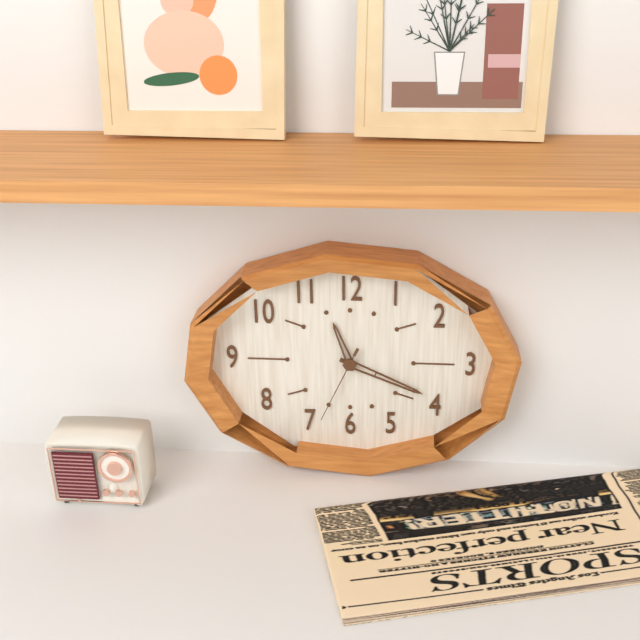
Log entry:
11 h 19 min 34 s
